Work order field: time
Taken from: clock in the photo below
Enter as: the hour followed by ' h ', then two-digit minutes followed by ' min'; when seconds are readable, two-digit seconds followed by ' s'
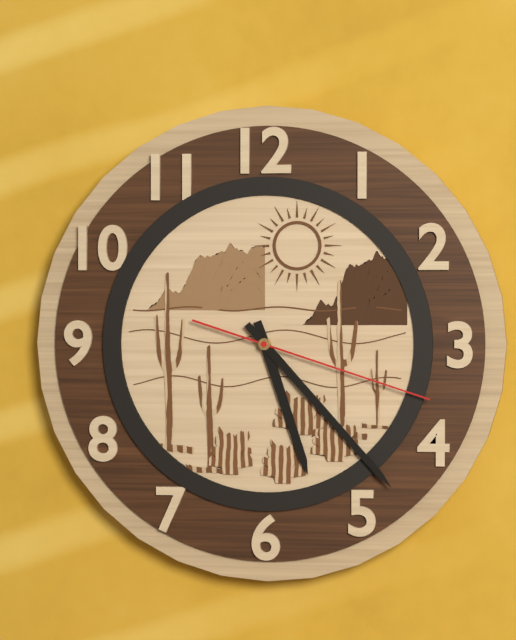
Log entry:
5 h 23 min 18 s
